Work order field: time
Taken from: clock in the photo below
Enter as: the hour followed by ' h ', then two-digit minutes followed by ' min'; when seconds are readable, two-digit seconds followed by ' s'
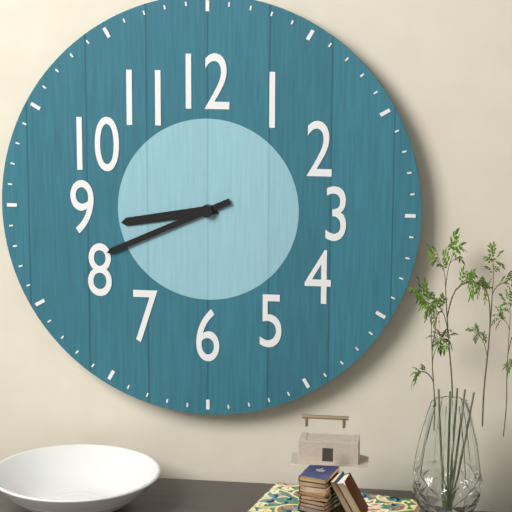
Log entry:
8 h 41 min
